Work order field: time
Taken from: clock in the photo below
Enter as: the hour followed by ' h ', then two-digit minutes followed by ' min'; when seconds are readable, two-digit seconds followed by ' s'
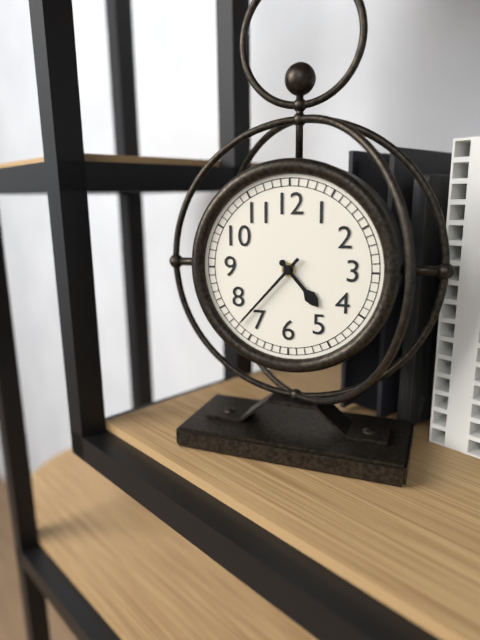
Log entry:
4 h 37 min
